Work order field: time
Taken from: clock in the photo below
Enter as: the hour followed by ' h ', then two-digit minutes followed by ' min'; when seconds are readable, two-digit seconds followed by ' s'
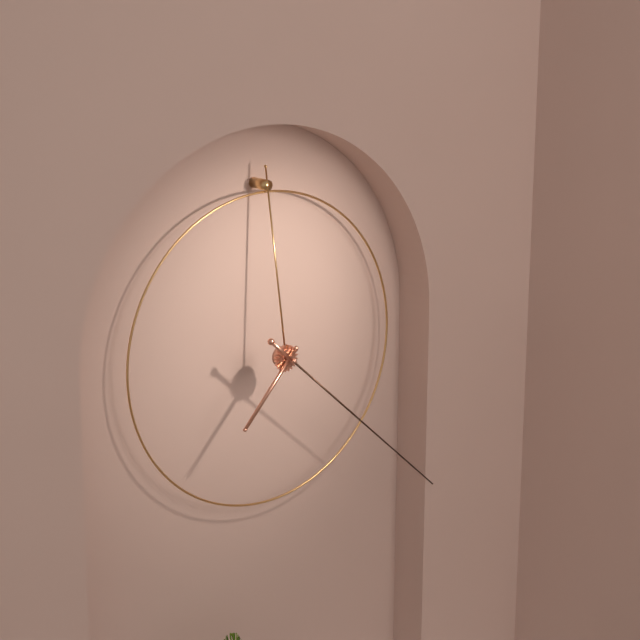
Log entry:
7 h 22 min
